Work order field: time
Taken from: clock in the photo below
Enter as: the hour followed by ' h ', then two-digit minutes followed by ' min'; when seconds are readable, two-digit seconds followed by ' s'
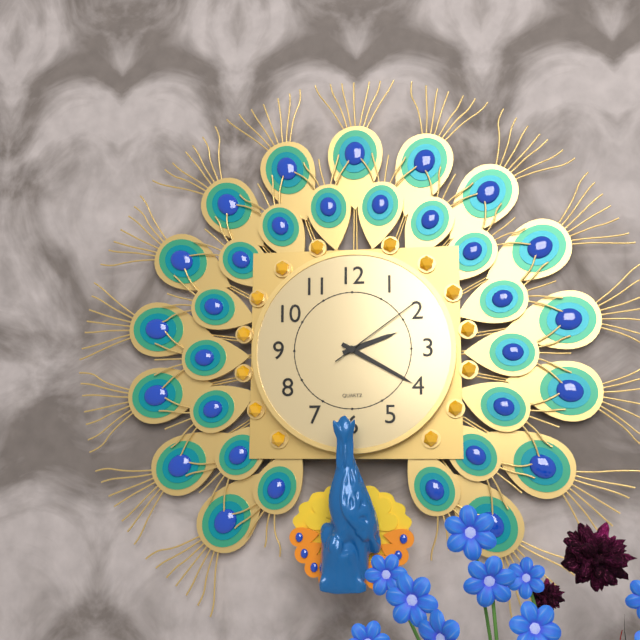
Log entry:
2 h 20 min 09 s
